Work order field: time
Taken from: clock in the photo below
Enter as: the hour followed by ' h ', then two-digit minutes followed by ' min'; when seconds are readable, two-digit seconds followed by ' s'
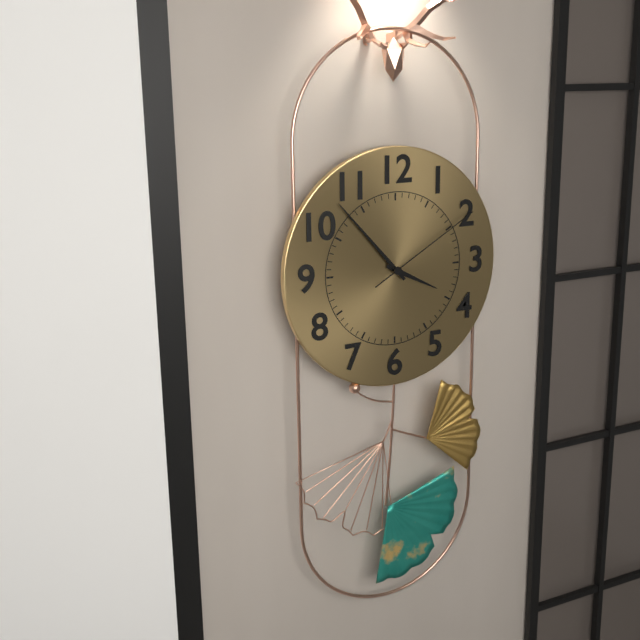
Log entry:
3 h 53 min 10 s
